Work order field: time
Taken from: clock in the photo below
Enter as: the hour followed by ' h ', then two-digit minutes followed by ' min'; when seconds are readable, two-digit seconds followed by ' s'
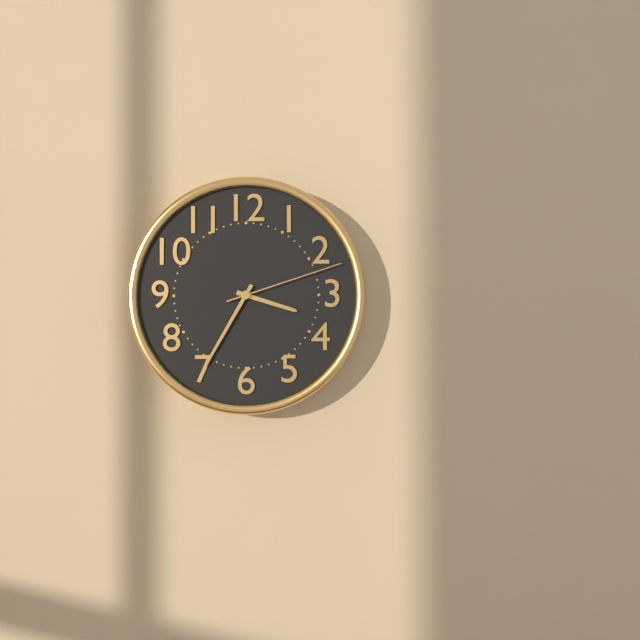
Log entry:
3 h 35 min 12 s
